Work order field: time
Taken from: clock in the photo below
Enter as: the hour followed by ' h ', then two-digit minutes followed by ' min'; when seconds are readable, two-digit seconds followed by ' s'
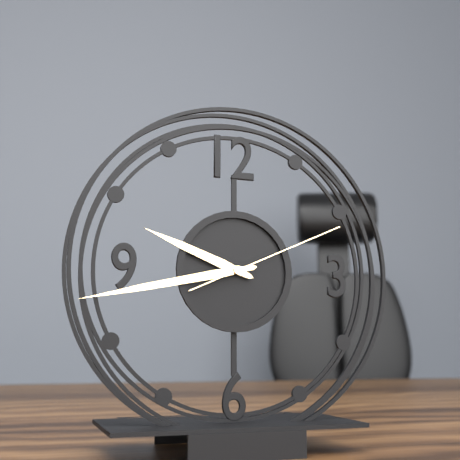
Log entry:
9 h 43 min 11 s
